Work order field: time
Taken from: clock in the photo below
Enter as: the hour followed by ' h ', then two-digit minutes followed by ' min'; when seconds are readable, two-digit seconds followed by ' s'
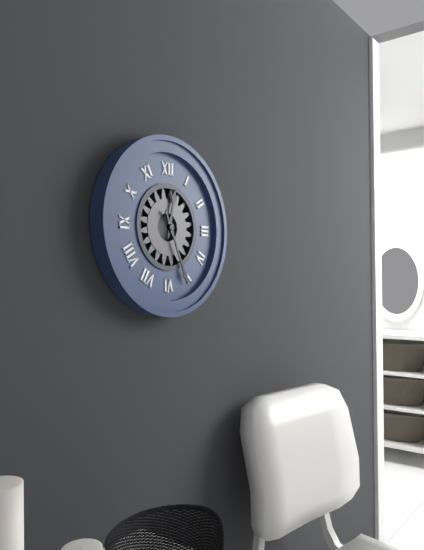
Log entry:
12 h 26 min
